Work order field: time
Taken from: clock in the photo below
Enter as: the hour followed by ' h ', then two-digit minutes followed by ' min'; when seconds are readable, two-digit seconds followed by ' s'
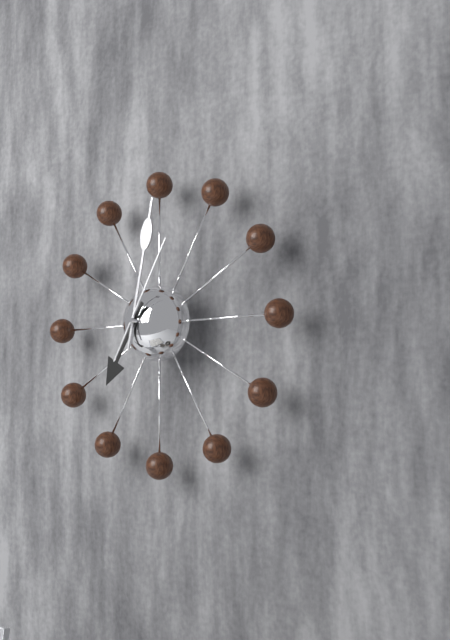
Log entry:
7 h 02 min 05 s
